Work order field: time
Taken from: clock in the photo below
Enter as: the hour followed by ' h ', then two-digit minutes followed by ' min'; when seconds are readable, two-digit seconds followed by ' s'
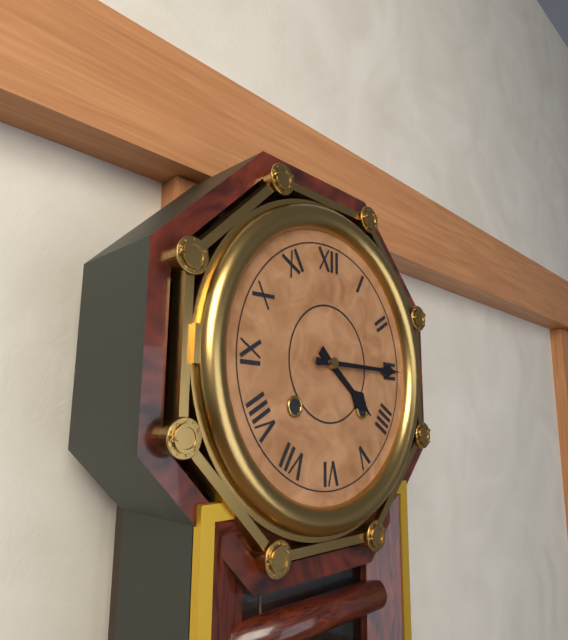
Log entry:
4 h 15 min
